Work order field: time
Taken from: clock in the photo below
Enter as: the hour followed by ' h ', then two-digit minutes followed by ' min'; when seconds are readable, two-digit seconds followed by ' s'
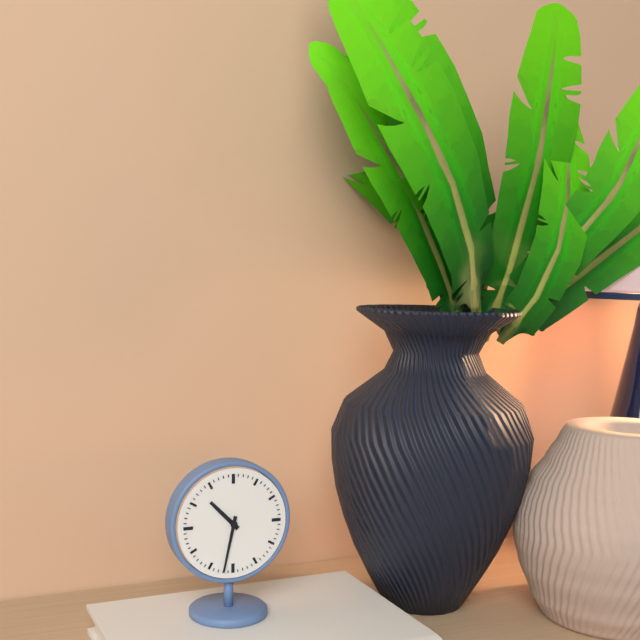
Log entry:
10 h 32 min
